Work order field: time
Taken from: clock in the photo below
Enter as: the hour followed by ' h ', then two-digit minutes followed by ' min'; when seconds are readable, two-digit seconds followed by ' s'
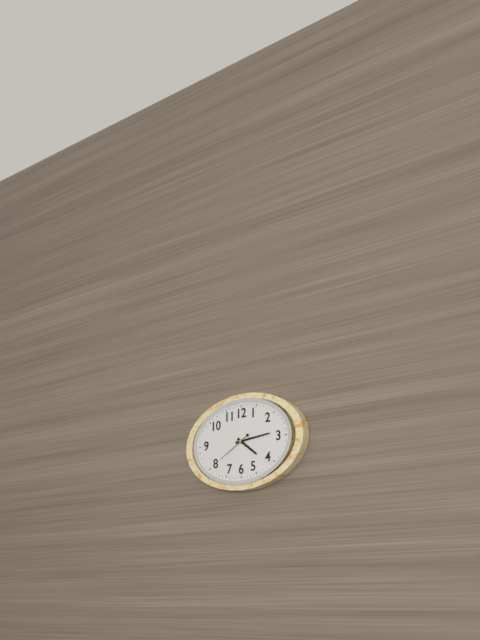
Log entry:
4 h 14 min
